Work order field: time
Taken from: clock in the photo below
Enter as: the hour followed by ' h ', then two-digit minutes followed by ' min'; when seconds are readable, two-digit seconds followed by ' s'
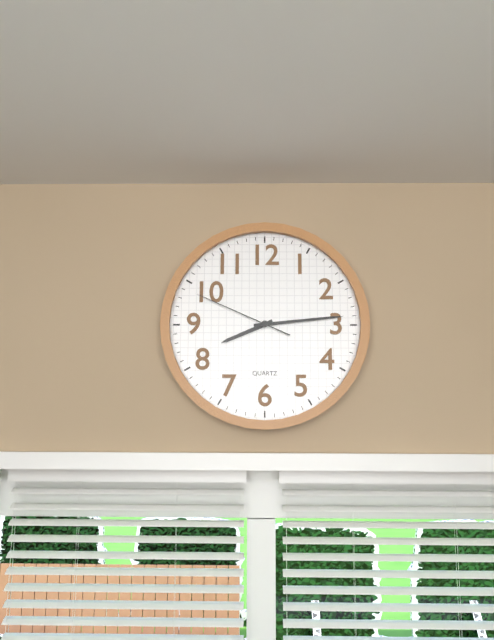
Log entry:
8 h 14 min 49 s
